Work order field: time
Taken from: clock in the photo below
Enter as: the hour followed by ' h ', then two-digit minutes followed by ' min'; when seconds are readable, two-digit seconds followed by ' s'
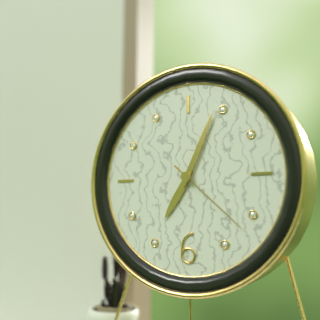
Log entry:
7 h 04 min 22 s
